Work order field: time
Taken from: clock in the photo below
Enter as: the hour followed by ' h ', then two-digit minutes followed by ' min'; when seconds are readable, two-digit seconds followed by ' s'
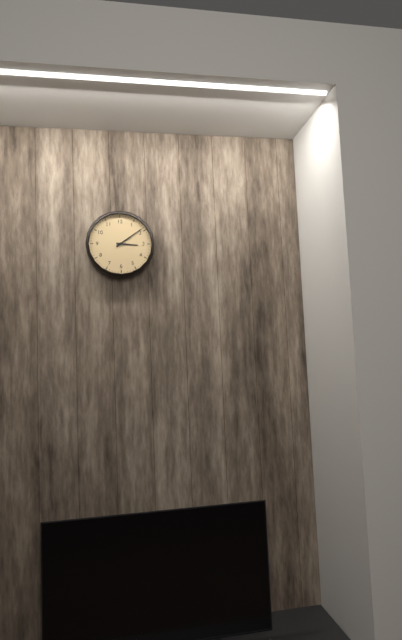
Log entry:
3 h 09 min
